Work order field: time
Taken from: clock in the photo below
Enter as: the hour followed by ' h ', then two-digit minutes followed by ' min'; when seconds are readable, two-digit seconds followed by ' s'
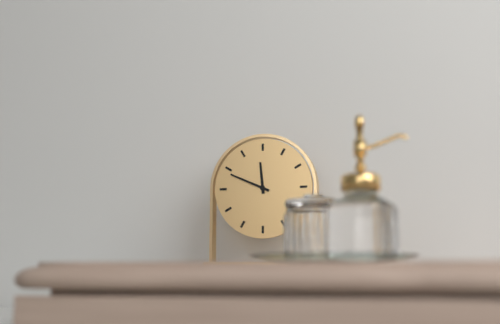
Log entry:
11 h 49 min
